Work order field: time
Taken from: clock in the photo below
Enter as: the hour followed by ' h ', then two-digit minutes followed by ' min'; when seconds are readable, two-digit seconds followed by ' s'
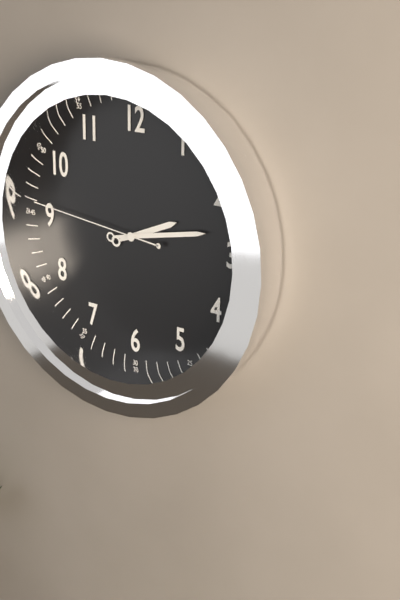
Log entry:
2 h 13 min 46 s
